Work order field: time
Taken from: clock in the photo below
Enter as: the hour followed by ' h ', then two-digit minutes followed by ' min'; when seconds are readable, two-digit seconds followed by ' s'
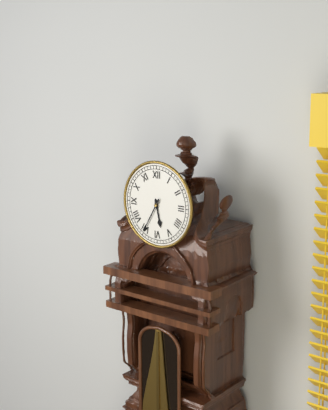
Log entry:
5 h 35 min
